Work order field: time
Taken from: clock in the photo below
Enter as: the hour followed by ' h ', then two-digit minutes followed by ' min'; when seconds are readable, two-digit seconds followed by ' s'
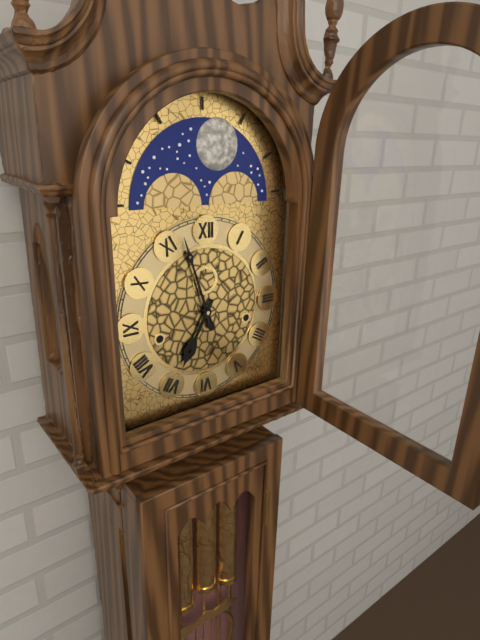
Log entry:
6 h 57 min
